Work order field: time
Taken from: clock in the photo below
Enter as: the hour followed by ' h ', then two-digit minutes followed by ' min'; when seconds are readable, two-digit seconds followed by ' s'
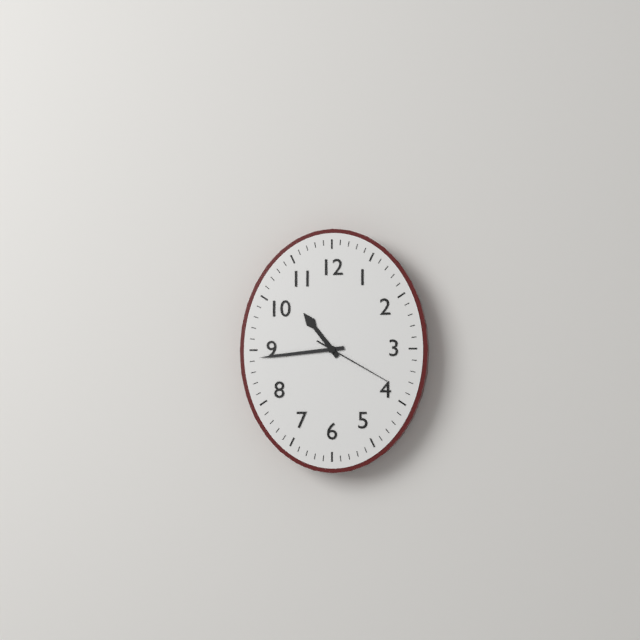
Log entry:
10 h 44 min 20 s
